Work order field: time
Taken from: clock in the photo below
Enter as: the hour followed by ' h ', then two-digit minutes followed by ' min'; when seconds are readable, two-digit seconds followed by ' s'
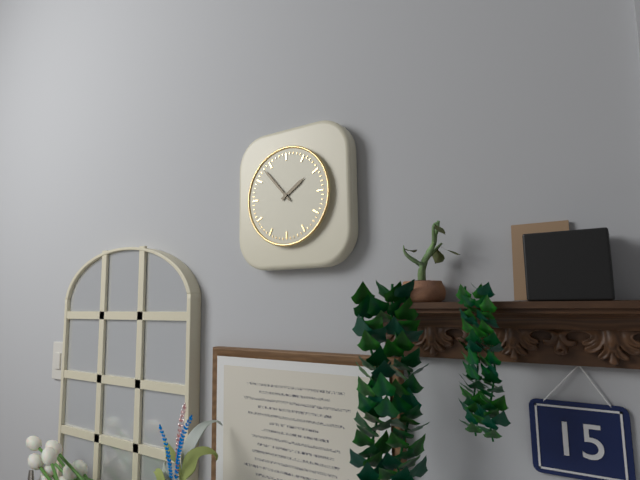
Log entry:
1 h 53 min
